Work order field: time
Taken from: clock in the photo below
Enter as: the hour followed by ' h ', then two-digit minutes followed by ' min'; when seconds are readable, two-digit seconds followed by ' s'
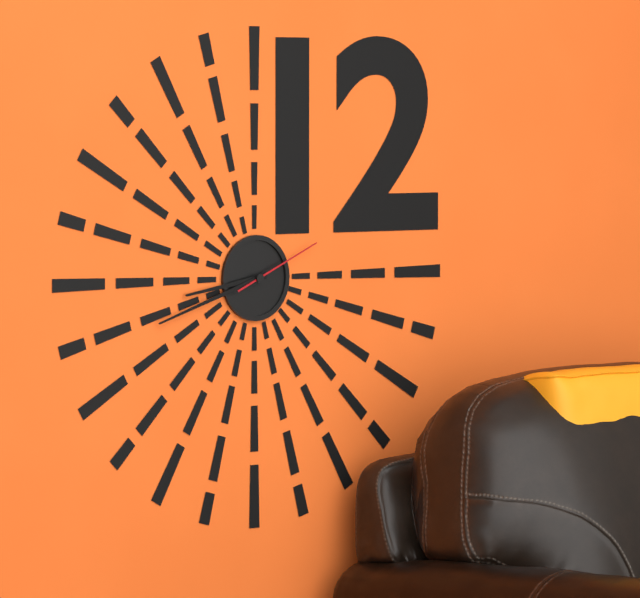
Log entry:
8 h 42 min 11 s
